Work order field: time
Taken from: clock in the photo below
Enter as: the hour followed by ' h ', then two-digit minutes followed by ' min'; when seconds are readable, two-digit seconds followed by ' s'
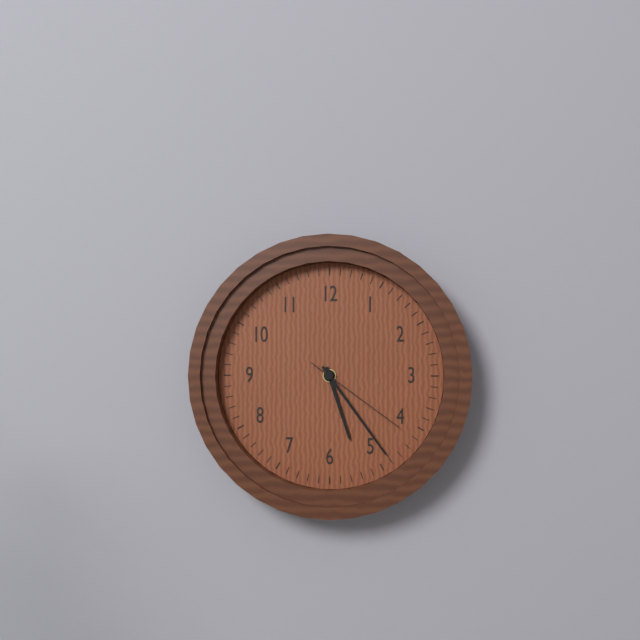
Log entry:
5 h 24 min 21 s
